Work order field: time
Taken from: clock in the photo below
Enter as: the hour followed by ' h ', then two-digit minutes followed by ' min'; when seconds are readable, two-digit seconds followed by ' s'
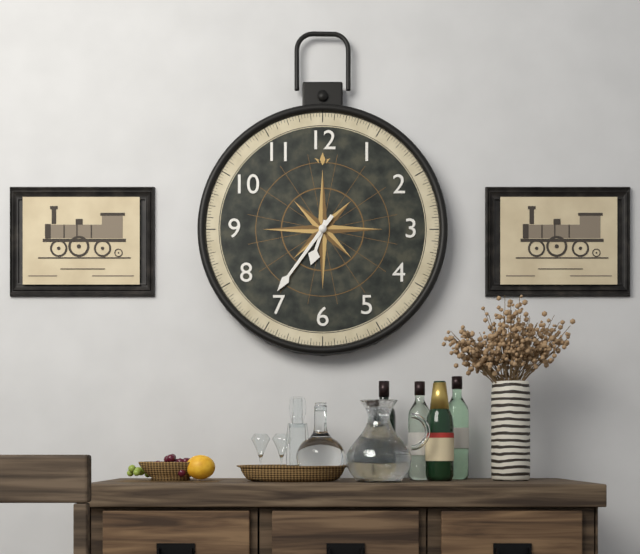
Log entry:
6 h 36 min
